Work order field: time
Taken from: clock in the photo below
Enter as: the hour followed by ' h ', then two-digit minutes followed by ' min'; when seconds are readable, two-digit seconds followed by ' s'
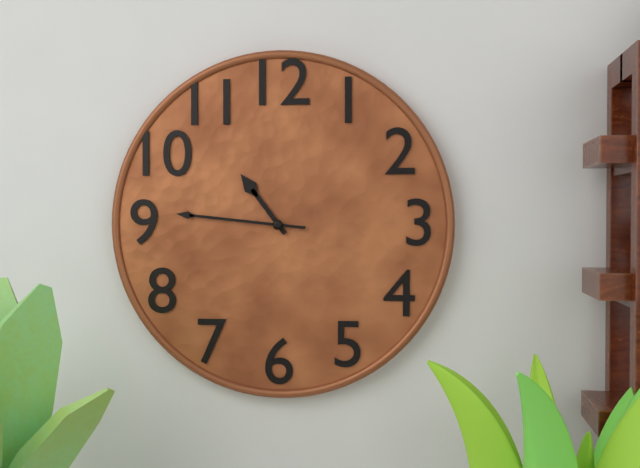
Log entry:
10 h 46 min
